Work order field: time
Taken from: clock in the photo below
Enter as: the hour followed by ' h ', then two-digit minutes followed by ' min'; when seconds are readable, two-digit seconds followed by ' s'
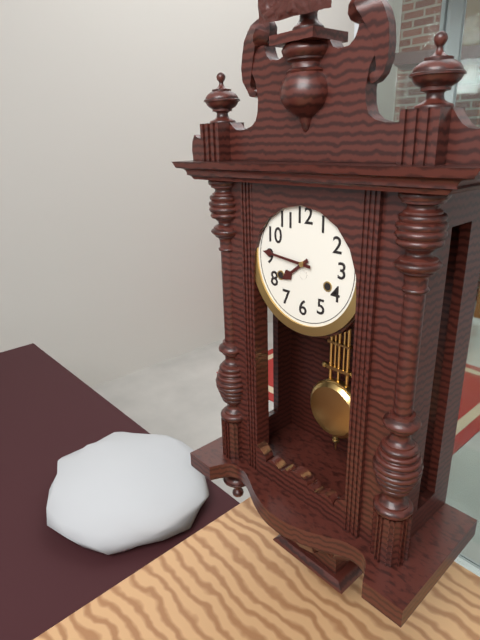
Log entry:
7 h 46 min
